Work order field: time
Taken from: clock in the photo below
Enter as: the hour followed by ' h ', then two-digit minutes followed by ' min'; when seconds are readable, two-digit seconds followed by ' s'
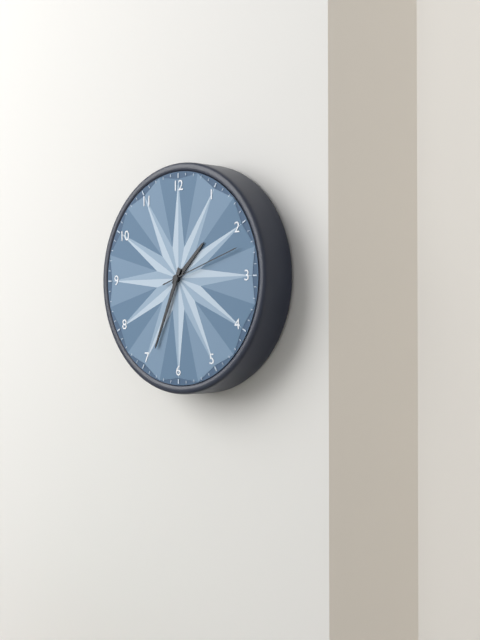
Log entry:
1 h 34 min 12 s
